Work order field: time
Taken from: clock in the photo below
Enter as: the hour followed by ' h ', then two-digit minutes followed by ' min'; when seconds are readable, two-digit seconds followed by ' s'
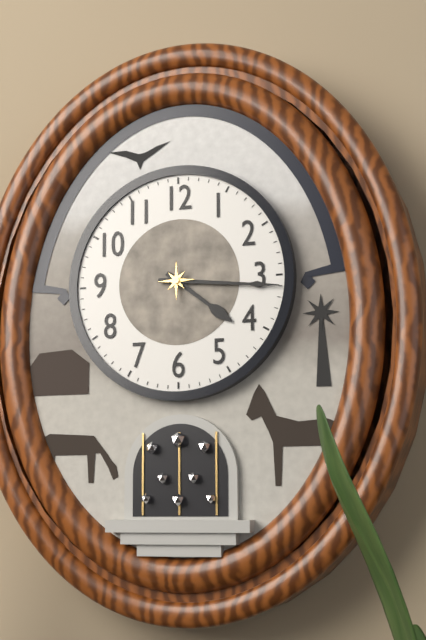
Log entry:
4 h 16 min
